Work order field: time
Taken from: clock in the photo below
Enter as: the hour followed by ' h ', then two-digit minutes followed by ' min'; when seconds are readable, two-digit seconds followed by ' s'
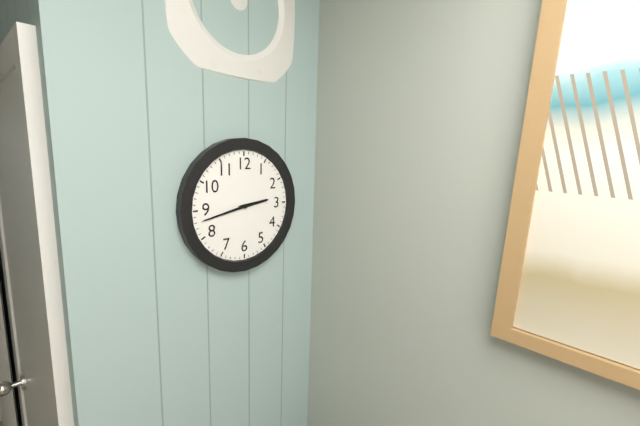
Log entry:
2 h 43 min
